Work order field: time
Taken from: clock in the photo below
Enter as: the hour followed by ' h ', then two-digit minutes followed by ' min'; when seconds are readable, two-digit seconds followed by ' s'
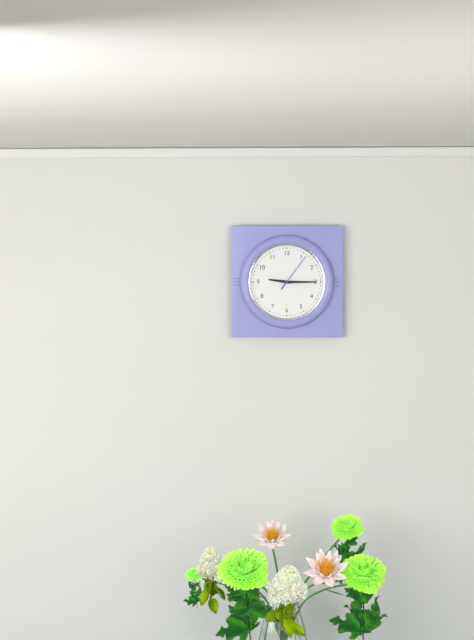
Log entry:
9 h 15 min
